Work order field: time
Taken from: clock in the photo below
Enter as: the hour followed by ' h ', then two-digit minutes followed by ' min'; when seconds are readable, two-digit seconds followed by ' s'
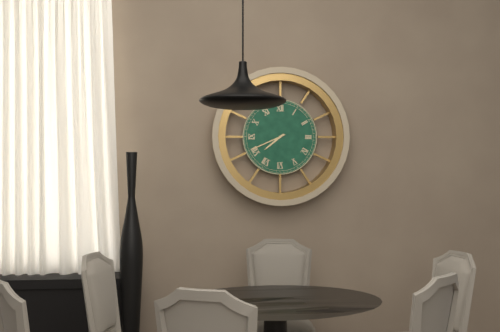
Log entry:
7 h 41 min
